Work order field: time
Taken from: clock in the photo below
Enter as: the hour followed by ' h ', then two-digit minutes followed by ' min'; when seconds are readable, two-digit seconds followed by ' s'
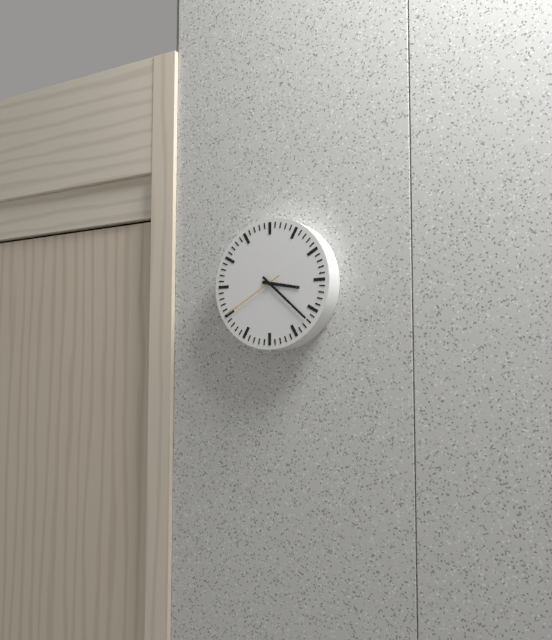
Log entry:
3 h 22 min 40 s
